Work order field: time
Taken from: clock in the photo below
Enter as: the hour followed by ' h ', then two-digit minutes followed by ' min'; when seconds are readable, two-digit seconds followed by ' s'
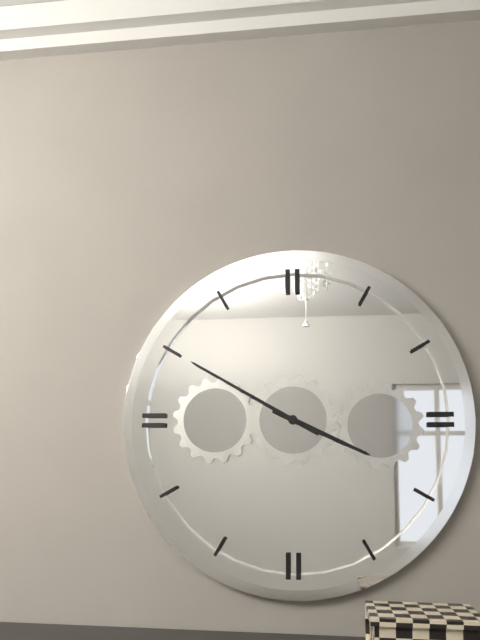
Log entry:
3 h 50 min
